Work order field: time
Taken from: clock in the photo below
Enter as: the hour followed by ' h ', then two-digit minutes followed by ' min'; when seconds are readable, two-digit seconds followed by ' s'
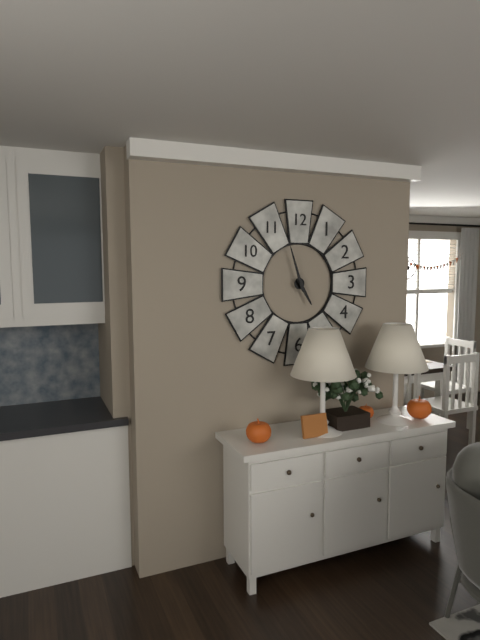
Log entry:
4 h 57 min
